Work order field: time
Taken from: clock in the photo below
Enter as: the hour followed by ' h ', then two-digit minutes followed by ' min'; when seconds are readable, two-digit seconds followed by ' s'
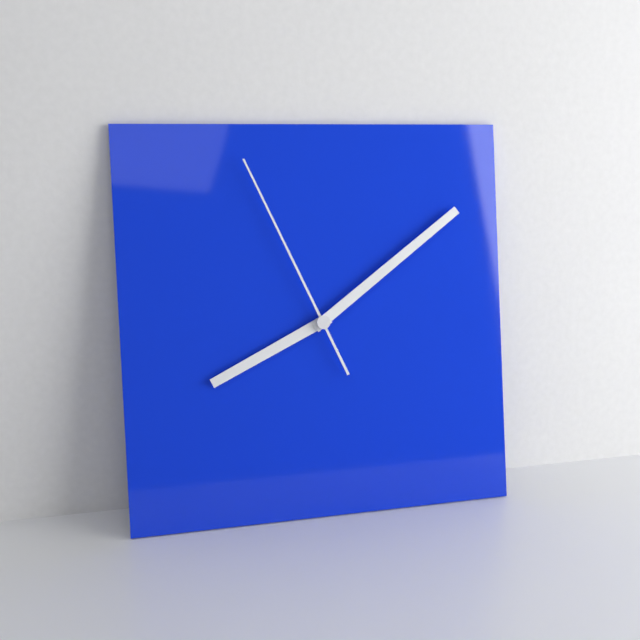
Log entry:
8 h 09 min 56 s
